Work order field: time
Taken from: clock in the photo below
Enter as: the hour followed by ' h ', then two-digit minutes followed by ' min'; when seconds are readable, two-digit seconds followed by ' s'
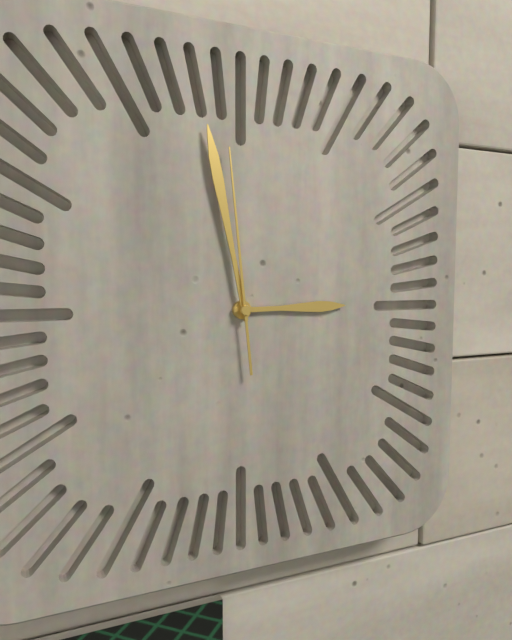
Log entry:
2 h 58 min 59 s
